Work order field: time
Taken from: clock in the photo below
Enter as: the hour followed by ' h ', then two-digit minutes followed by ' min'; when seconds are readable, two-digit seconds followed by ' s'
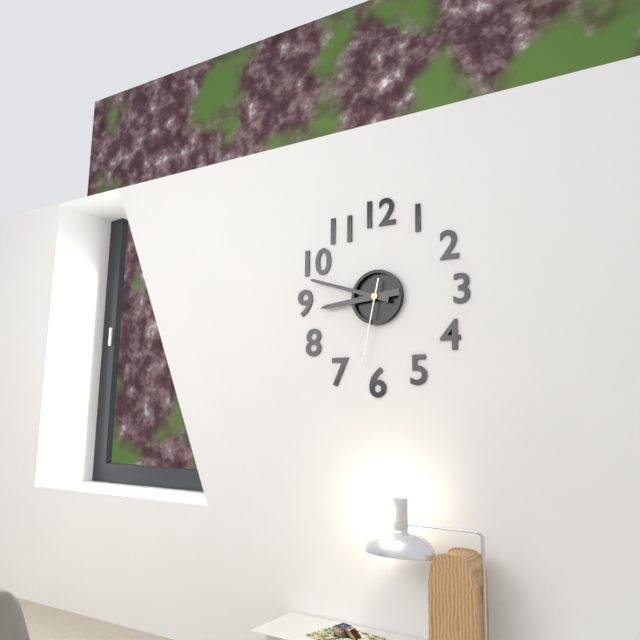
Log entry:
8 h 48 min 32 s
